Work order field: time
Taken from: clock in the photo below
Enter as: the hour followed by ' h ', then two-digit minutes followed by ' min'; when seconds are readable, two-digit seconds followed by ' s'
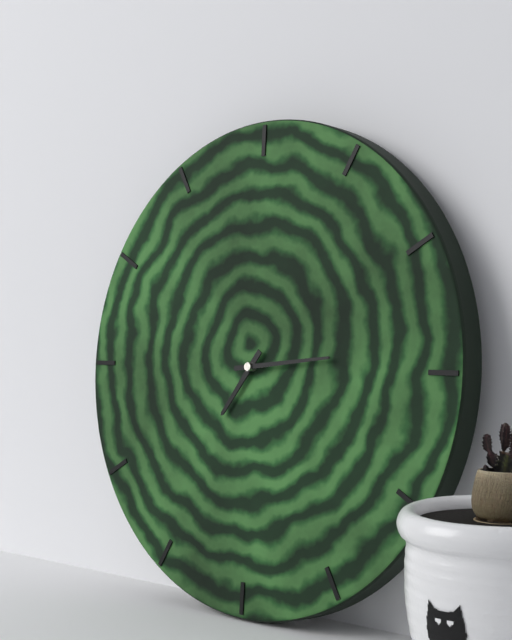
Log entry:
7 h 14 min
